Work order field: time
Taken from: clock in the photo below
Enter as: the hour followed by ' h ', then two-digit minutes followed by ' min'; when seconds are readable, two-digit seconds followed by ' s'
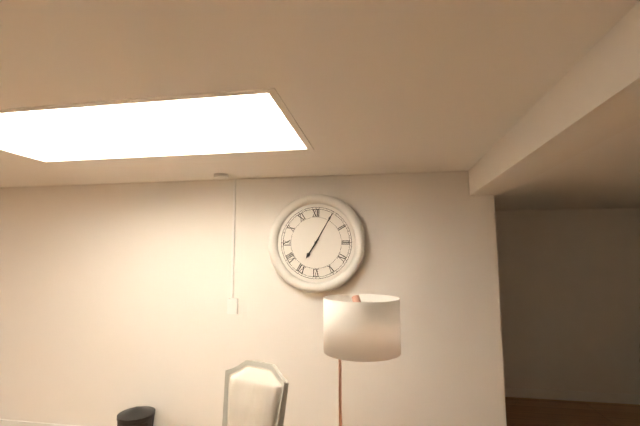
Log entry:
7 h 05 min
